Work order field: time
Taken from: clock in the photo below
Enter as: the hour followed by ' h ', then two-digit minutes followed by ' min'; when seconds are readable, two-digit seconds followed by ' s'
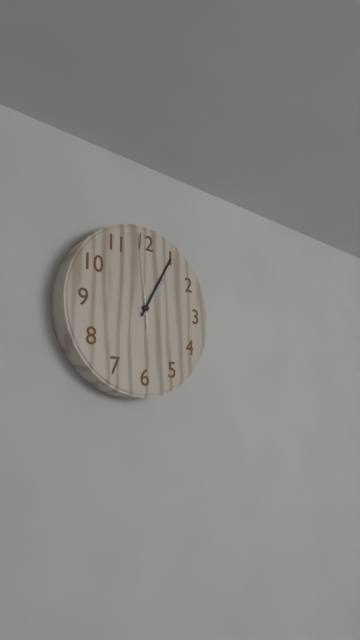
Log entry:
1 h 05 min 59 s
